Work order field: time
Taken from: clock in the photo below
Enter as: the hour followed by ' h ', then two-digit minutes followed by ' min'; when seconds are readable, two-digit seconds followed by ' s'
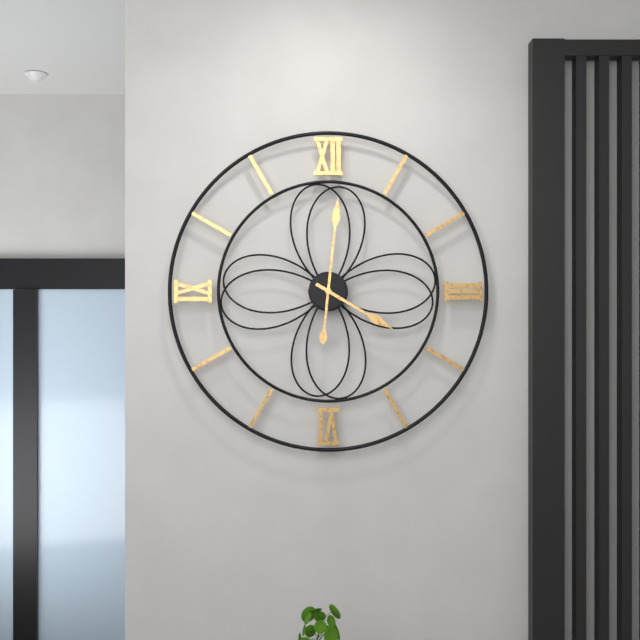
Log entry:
4 h 01 min
